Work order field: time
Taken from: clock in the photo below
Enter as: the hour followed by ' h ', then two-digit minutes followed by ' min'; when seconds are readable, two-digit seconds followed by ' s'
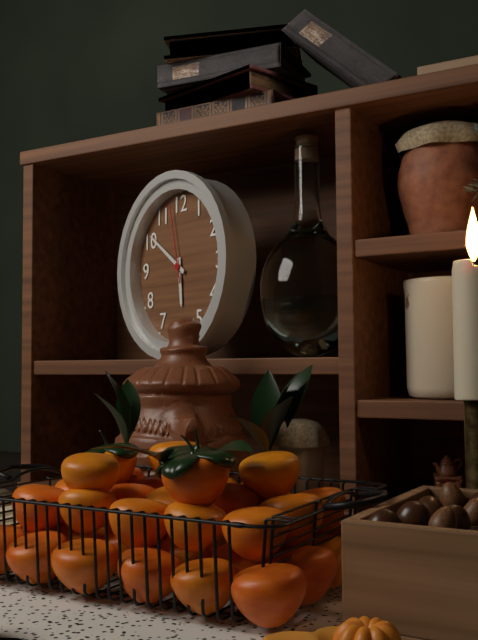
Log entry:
5 h 51 min 58 s
